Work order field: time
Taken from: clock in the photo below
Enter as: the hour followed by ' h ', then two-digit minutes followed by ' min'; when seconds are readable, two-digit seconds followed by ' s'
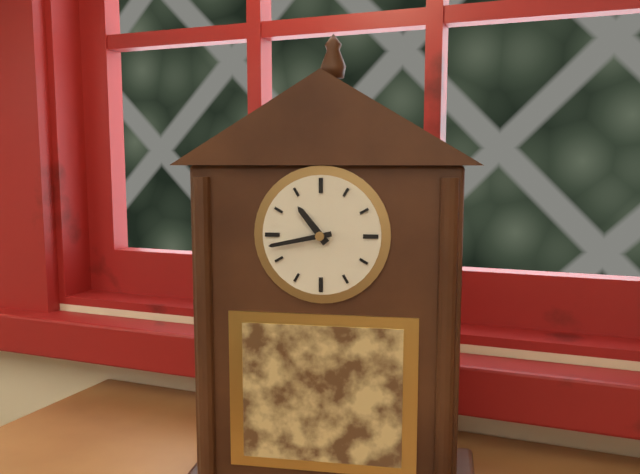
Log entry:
10 h 43 min
